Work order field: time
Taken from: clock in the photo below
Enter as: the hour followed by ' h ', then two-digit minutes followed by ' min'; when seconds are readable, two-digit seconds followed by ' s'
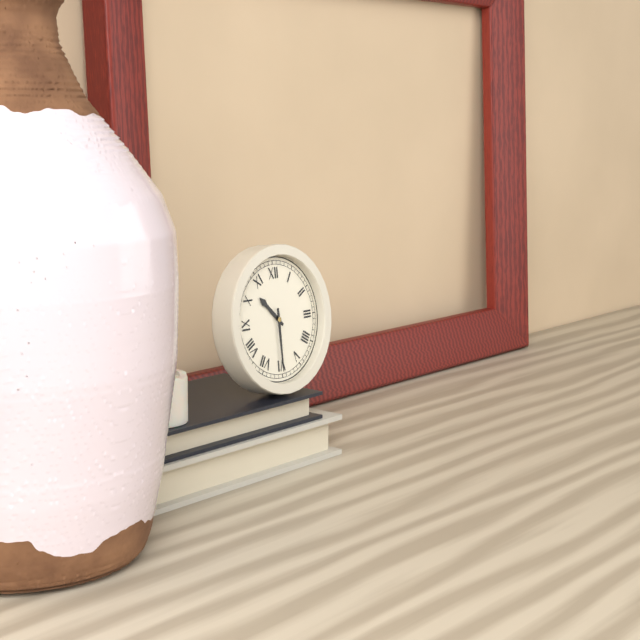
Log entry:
10 h 30 min
